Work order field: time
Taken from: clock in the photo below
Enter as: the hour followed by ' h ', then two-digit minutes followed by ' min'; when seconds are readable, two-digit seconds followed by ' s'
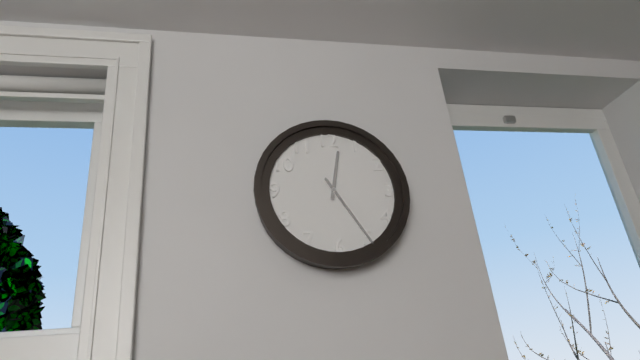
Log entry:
12 h 25 min
